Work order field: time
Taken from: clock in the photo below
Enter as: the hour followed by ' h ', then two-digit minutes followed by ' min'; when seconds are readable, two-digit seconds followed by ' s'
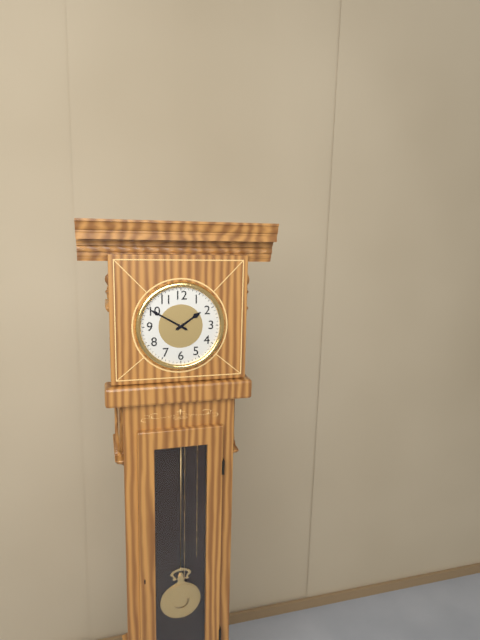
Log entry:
1 h 50 min
